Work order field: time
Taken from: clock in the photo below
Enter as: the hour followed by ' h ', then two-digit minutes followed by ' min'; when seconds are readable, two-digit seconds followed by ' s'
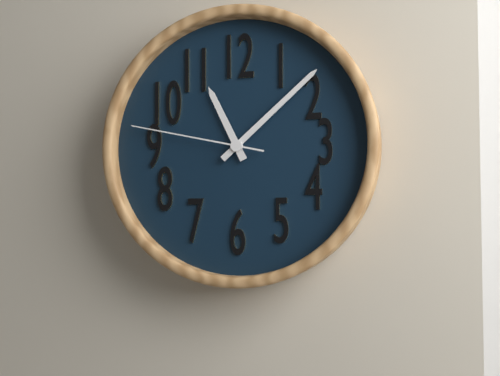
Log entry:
11 h 08 min 47 s
